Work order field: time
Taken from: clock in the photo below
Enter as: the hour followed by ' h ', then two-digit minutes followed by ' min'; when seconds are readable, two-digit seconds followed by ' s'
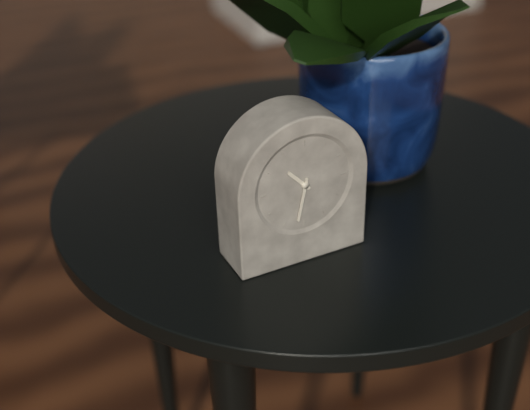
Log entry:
10 h 32 min
